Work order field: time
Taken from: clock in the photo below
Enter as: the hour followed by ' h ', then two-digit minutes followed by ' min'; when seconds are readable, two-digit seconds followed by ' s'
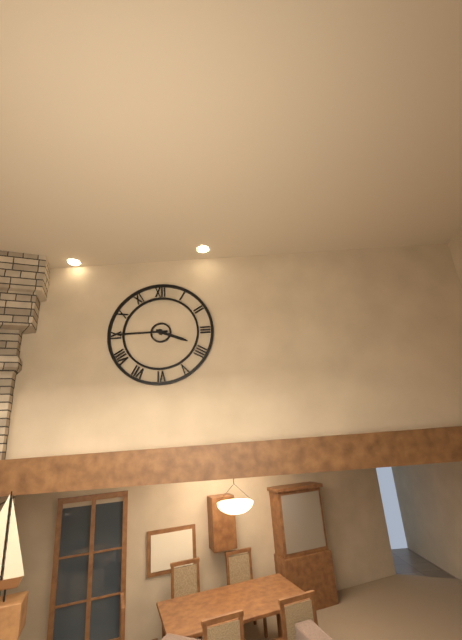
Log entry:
3 h 45 min
